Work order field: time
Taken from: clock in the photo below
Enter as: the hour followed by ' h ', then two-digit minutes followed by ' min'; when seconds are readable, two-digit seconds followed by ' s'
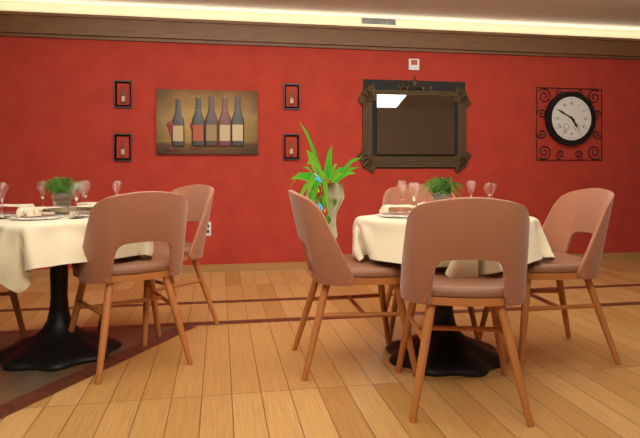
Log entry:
4 h 50 min
